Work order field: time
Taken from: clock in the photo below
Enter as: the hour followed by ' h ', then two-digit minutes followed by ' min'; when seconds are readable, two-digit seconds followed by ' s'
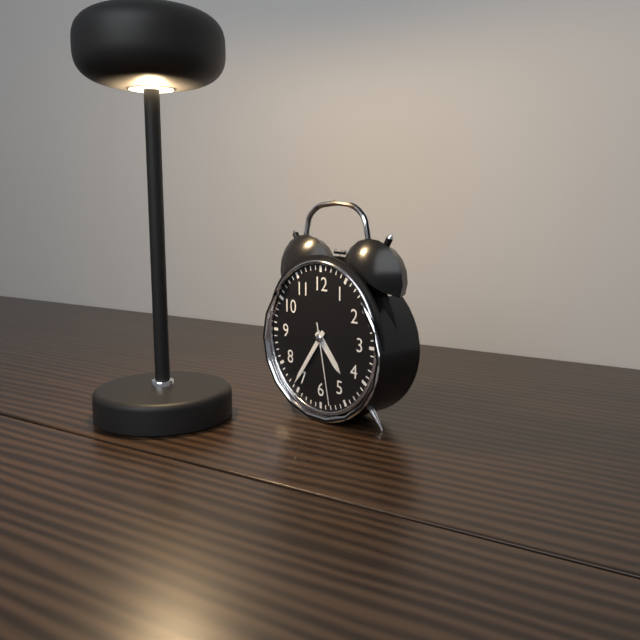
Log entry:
4 h 36 min 28 s
